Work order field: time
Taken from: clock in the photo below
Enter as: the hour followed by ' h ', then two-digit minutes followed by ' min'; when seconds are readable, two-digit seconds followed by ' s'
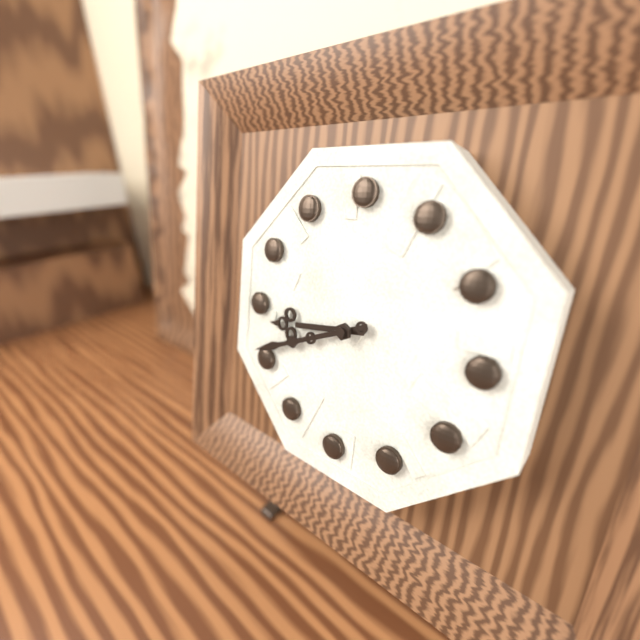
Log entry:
8 h 41 min
